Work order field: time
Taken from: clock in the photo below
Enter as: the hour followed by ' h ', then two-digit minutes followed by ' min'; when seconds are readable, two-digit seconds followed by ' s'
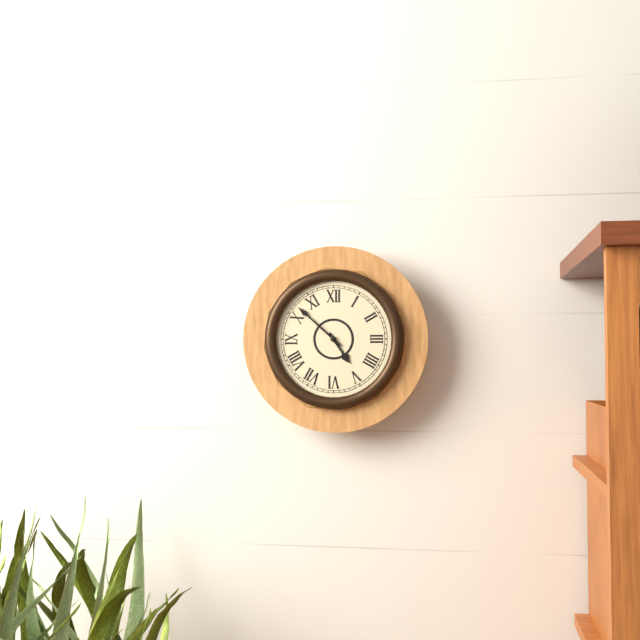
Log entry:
4 h 52 min
